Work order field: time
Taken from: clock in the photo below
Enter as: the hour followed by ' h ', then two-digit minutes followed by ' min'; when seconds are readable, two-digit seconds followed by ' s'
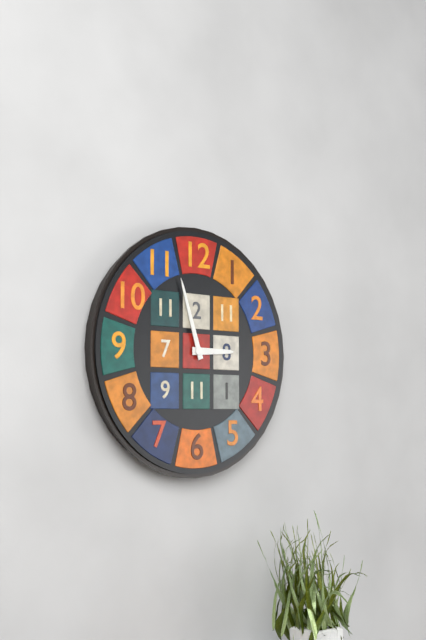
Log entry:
2 h 57 min
